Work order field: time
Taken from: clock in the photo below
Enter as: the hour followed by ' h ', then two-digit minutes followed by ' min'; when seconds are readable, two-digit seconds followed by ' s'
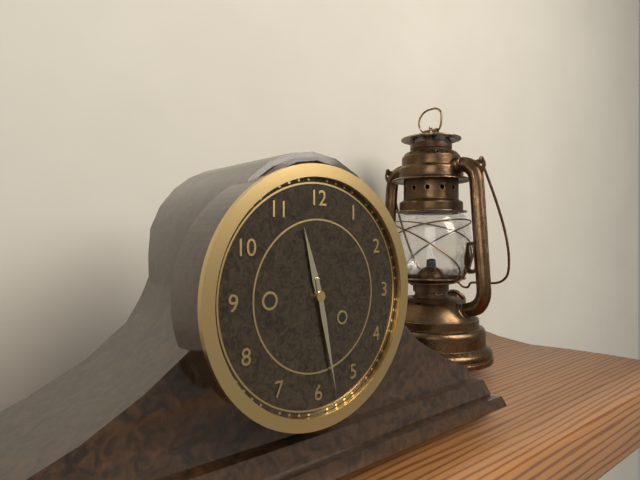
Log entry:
11 h 28 min
